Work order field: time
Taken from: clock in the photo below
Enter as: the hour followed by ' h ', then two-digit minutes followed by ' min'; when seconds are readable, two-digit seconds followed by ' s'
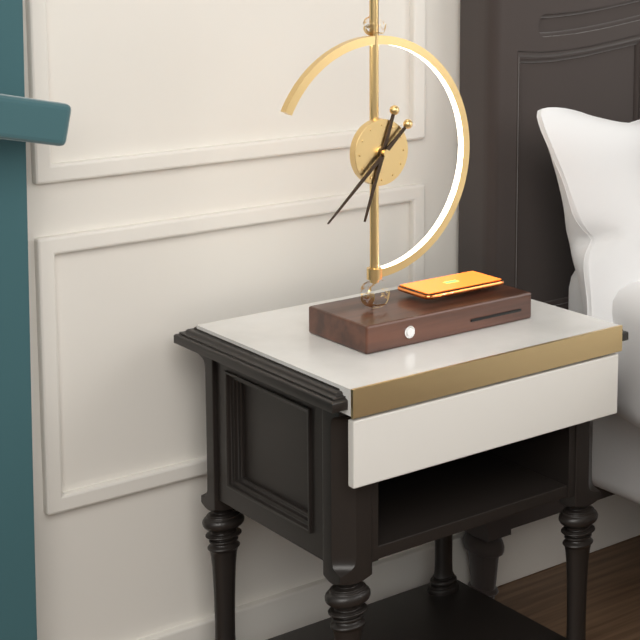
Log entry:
6 h 38 min
